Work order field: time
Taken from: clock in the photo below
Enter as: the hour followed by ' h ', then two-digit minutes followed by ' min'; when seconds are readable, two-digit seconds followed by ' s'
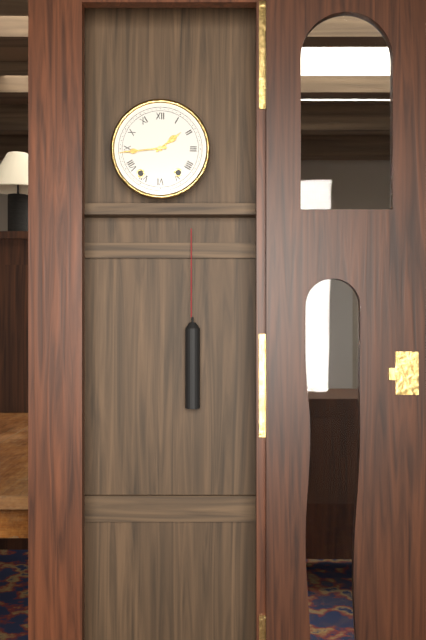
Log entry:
1 h 44 min
